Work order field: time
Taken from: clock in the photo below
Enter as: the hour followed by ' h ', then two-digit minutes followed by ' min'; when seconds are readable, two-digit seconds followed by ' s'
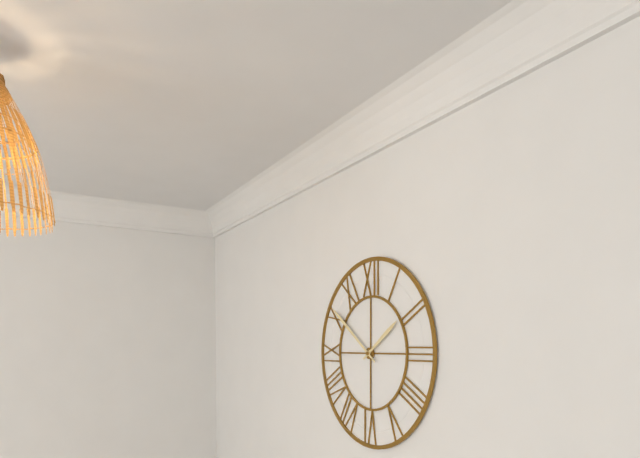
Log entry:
1 h 51 min
